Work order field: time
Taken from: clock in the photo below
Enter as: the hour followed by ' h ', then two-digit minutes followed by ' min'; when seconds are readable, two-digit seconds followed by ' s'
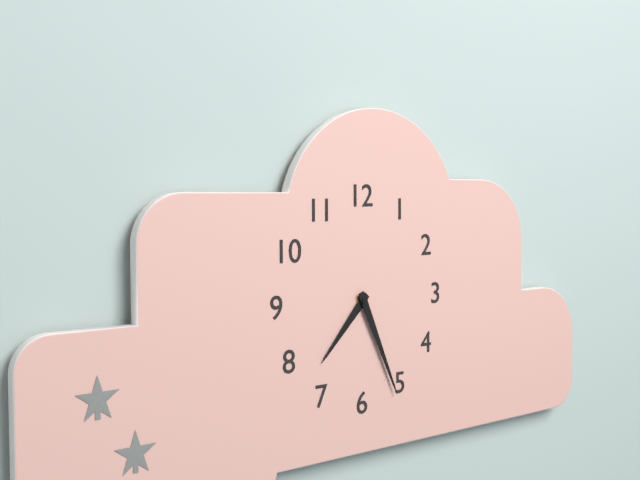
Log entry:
7 h 26 min
